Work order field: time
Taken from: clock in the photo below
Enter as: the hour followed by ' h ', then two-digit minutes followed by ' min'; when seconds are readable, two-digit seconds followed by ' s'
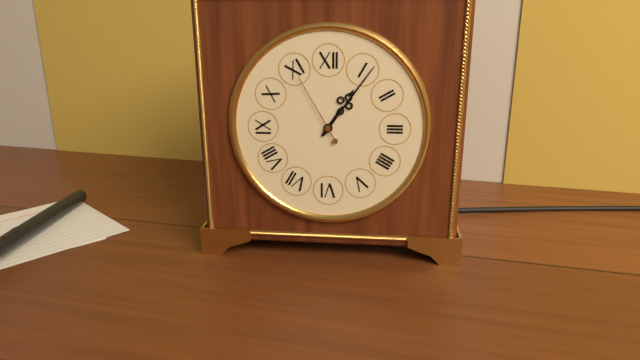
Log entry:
1 h 06 min 55 s
